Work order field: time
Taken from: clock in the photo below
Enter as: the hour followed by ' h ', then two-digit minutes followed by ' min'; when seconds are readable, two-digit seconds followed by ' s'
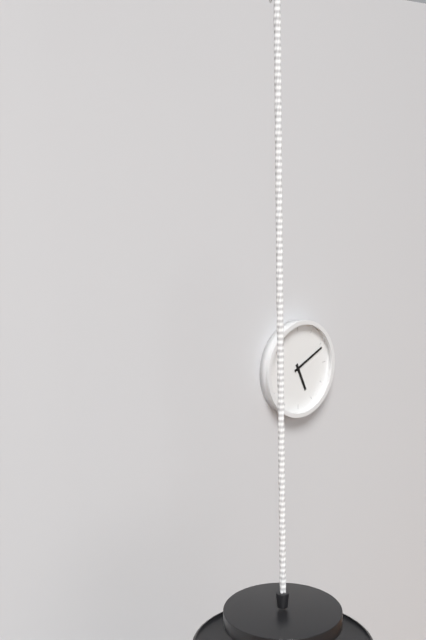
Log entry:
5 h 11 min
